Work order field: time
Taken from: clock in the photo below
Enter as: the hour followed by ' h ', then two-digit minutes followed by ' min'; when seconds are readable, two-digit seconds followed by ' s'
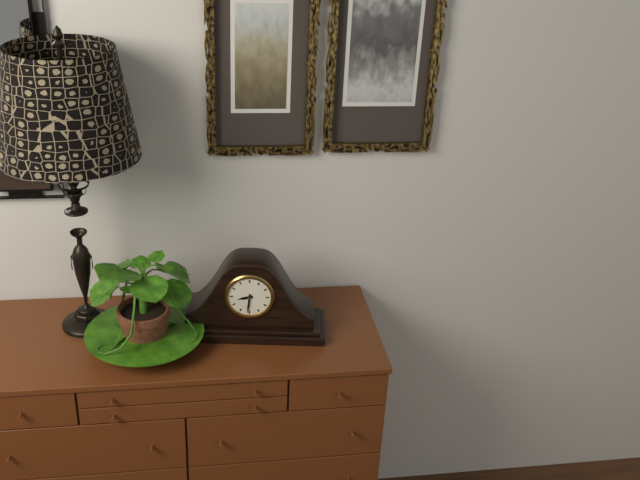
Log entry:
8 h 31 min
